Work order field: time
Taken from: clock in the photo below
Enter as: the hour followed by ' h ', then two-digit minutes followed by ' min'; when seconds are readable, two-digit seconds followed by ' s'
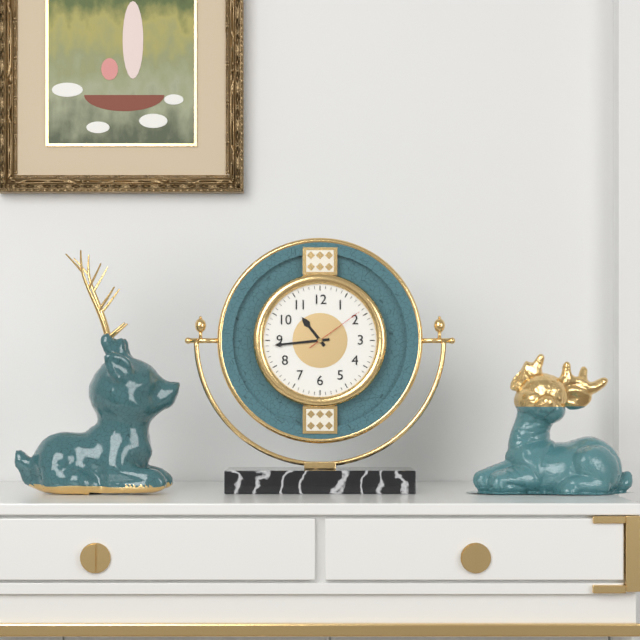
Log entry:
10 h 44 min 09 s
